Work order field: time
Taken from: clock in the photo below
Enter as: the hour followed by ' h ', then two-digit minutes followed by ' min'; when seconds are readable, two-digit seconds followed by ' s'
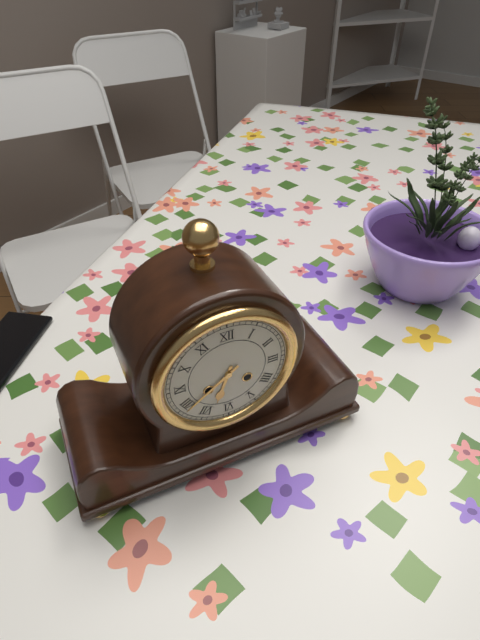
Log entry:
6 h 39 min
